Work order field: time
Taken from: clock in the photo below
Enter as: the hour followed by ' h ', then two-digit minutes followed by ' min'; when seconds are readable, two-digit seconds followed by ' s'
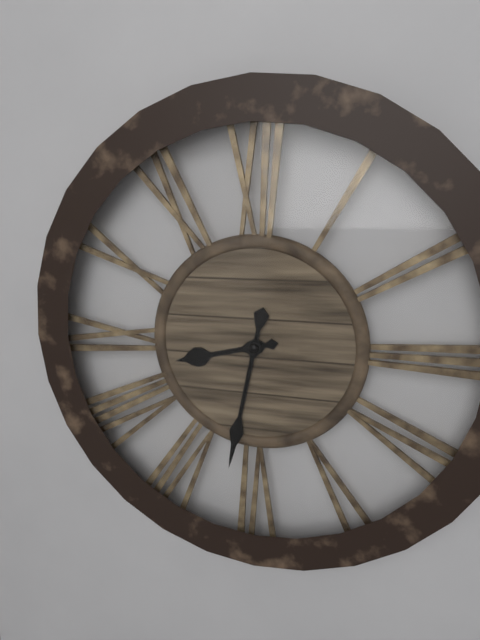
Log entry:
8 h 32 min
